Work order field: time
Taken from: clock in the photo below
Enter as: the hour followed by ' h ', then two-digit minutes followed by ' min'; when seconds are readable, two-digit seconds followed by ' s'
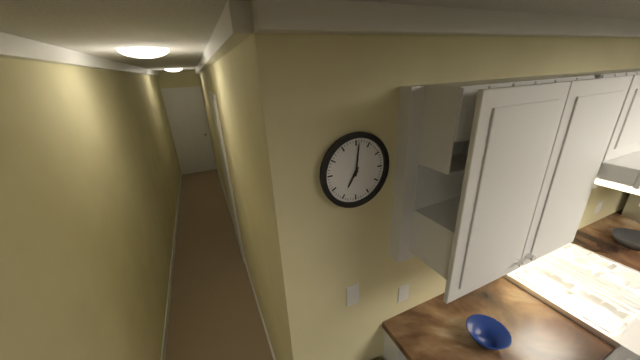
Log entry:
7 h 01 min
